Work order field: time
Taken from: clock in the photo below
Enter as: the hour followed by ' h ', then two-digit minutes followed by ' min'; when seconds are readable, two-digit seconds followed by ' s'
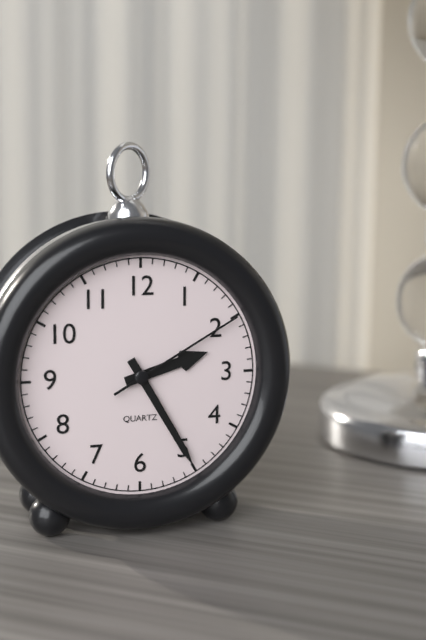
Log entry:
2 h 25 min 10 s
